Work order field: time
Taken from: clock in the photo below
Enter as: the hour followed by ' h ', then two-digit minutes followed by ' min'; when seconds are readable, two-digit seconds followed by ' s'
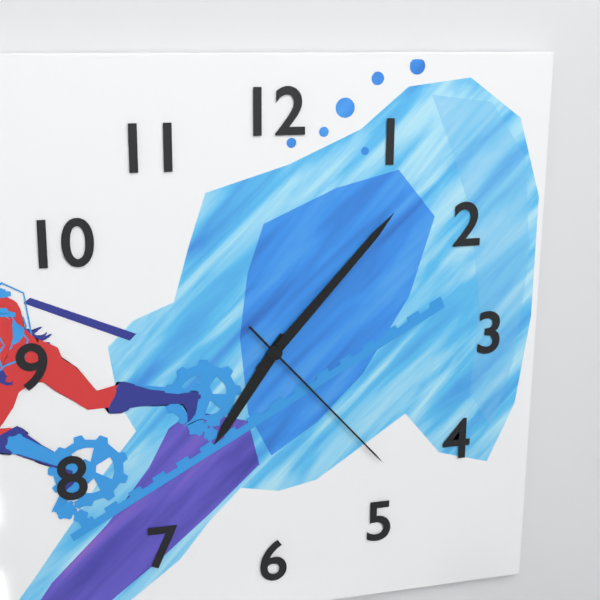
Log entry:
7 h 07 min 23 s
